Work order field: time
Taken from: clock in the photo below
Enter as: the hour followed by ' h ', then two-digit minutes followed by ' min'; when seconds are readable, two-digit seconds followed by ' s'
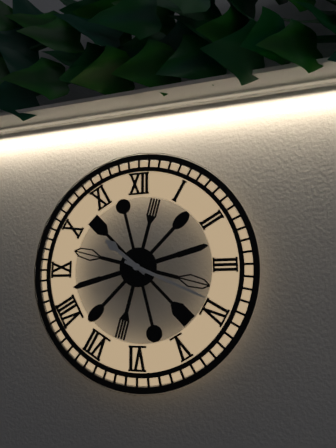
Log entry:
10 h 19 min
